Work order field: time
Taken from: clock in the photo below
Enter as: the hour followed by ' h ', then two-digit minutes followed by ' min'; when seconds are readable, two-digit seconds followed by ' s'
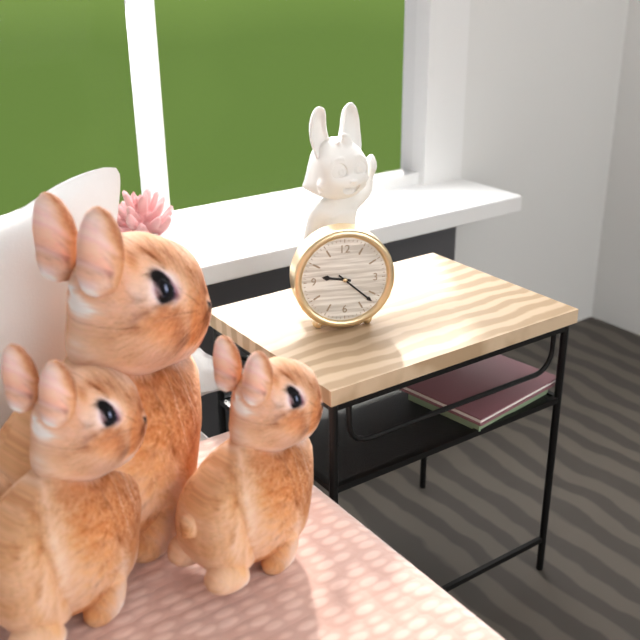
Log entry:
9 h 22 min
